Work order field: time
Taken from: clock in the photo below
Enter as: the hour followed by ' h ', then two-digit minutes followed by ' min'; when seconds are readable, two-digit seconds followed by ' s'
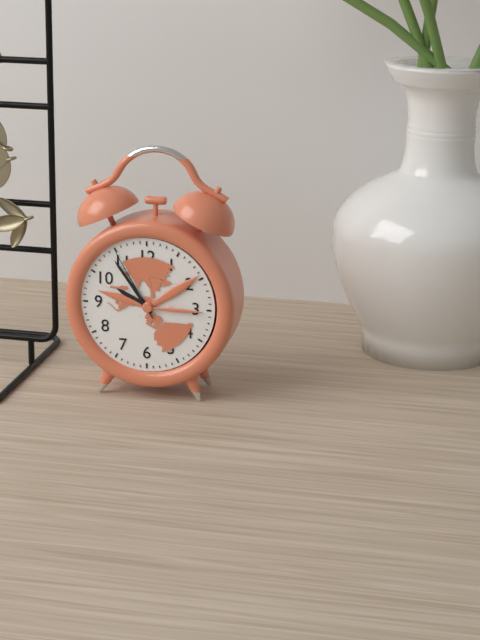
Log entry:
9 h 54 min 55 s
